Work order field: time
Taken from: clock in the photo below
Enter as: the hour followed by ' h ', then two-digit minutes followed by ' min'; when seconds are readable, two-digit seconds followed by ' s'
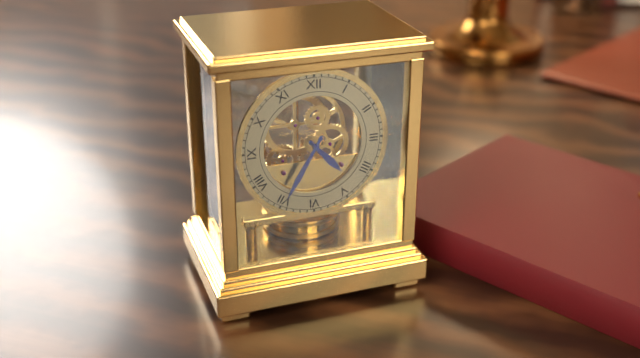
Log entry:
4 h 35 min
